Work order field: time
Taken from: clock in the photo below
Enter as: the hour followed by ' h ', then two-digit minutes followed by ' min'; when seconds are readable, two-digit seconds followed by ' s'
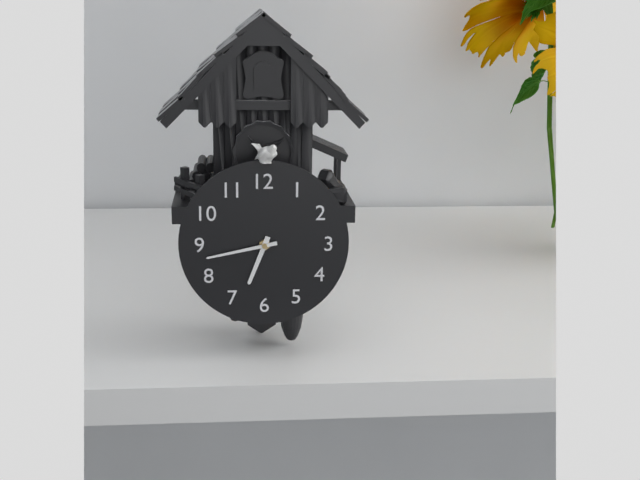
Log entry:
6 h 43 min
